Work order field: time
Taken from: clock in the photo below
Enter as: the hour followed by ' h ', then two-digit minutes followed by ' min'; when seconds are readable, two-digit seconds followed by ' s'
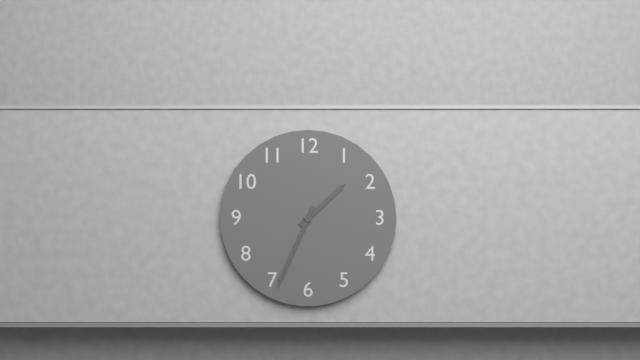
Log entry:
1 h 34 min
